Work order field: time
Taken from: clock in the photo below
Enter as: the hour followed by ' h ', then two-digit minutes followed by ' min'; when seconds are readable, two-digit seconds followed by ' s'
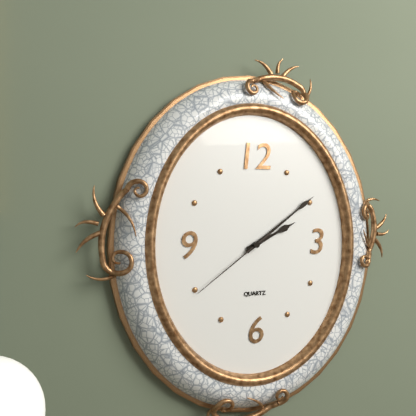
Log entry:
2 h 09 min 39 s
